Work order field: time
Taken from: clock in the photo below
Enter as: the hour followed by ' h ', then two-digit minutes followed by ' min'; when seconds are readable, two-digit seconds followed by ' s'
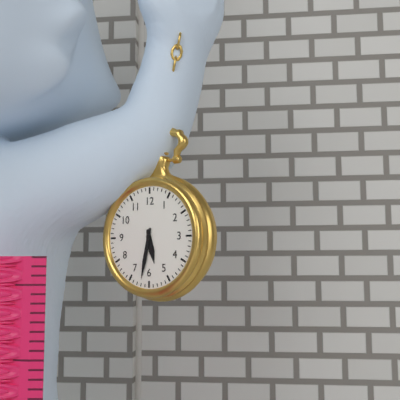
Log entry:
5 h 32 min
